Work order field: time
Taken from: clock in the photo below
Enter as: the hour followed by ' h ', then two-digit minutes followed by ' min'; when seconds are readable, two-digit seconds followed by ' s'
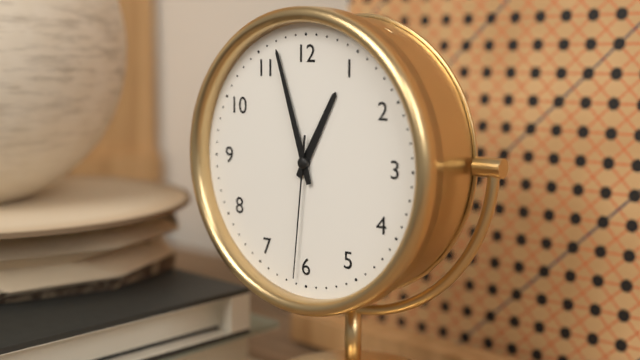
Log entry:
12 h 57 min 31 s
